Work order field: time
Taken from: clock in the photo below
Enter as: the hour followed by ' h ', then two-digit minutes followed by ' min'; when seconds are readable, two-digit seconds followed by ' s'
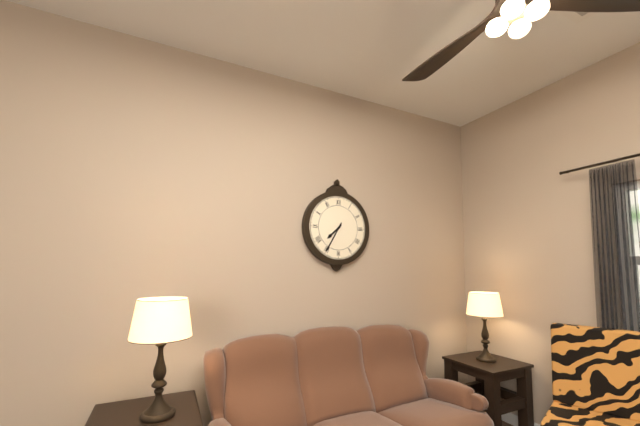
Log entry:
7 h 35 min
